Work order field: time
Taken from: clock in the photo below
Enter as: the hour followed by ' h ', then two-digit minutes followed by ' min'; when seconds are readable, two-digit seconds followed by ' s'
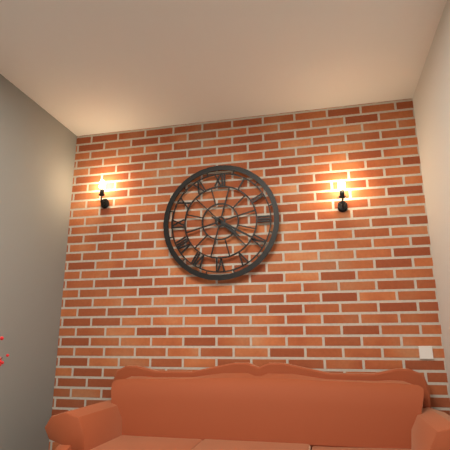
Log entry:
4 h 20 min
